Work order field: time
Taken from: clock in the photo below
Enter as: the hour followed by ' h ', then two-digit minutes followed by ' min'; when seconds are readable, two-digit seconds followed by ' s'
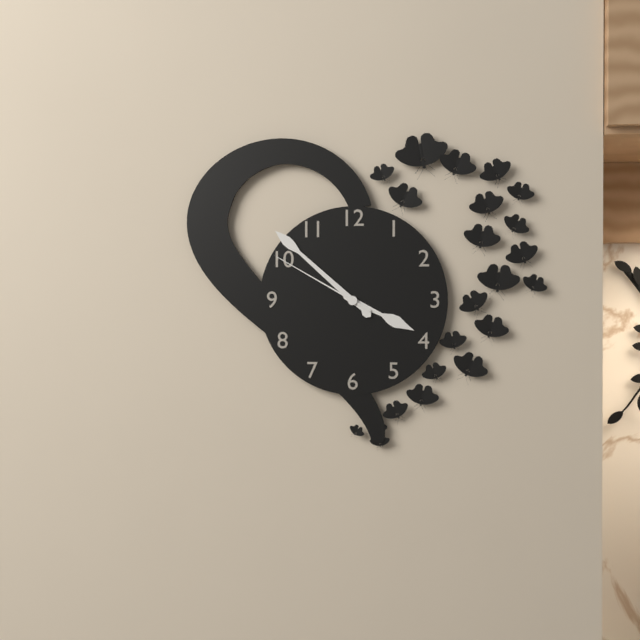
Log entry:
3 h 52 min 50 s
